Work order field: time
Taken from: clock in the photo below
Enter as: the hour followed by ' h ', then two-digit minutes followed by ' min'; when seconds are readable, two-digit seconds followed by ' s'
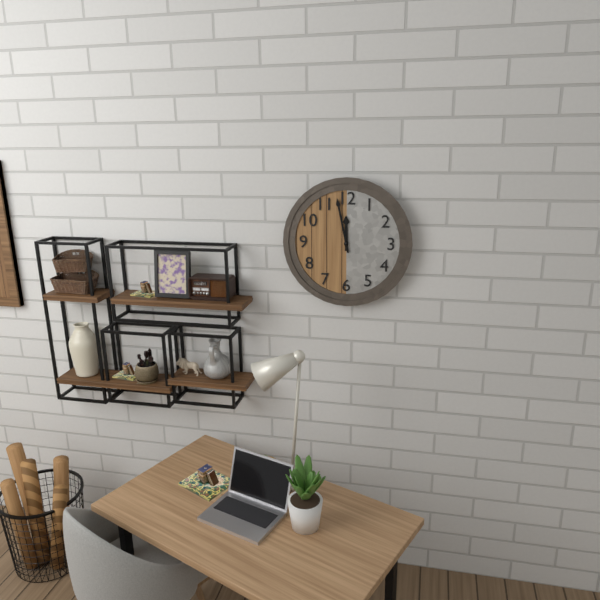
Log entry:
11 h 58 min
